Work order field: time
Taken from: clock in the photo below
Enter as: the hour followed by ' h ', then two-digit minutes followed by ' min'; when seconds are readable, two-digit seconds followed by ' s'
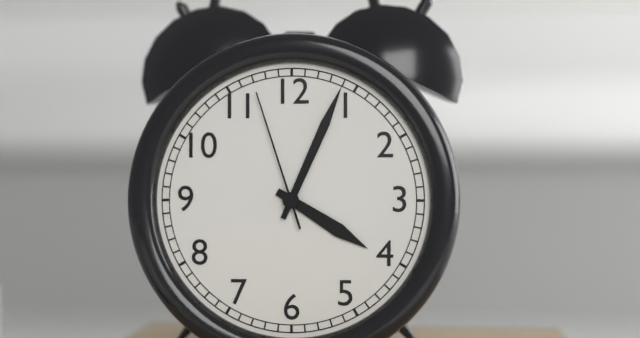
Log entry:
4 h 04 min 57 s
